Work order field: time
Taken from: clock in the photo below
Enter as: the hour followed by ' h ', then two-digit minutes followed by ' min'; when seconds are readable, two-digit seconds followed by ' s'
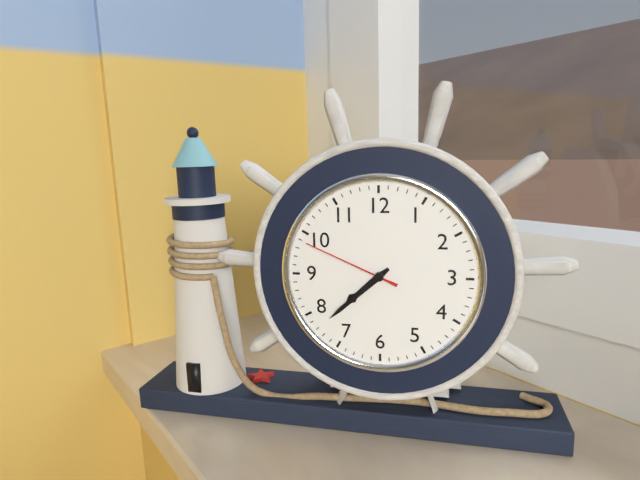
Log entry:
7 h 38 min 49 s
